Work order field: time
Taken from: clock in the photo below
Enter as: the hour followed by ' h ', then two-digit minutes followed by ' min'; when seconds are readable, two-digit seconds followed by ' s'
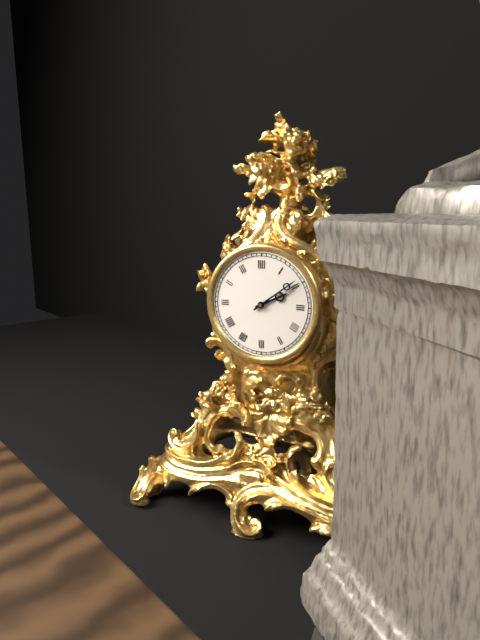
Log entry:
2 h 09 min
